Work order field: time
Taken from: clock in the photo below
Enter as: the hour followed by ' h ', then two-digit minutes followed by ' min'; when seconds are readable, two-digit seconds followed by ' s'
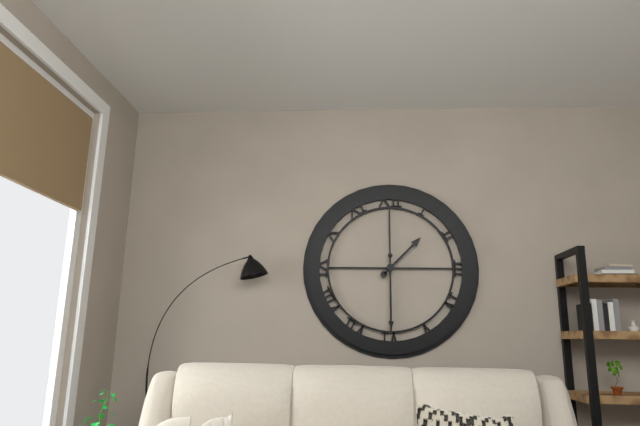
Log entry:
1 h 30 min
